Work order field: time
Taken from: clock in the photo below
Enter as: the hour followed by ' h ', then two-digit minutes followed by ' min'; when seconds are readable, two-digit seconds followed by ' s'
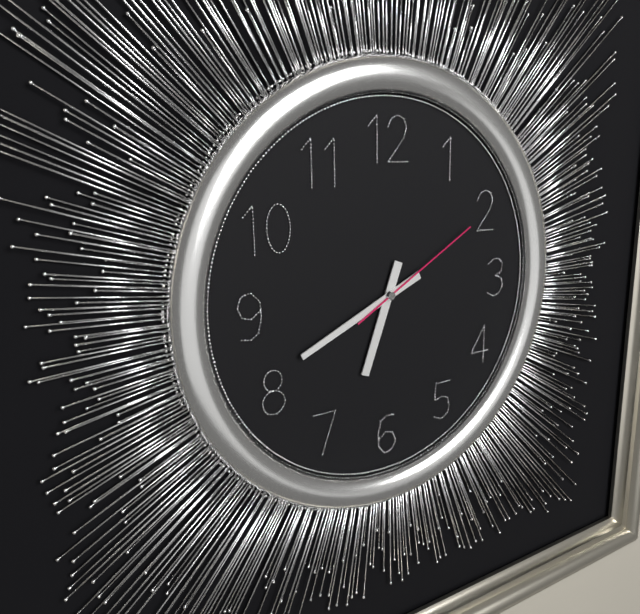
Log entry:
6 h 41 min 10 s
